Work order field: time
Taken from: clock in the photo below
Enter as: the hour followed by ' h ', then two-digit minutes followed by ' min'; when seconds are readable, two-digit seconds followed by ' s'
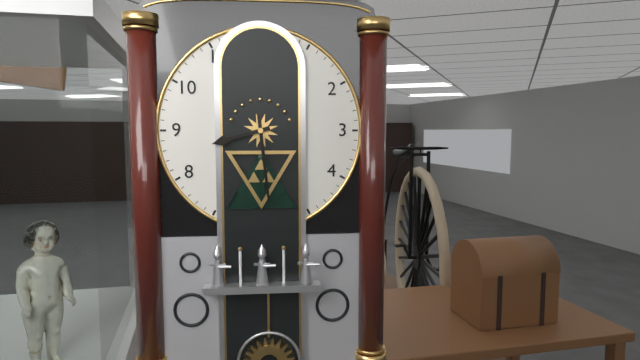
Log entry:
8 h 29 min
